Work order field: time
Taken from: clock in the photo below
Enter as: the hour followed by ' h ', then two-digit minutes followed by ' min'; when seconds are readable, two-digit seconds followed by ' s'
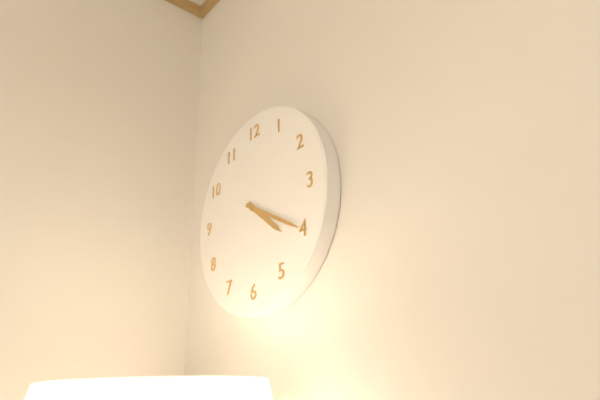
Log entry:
4 h 20 min
